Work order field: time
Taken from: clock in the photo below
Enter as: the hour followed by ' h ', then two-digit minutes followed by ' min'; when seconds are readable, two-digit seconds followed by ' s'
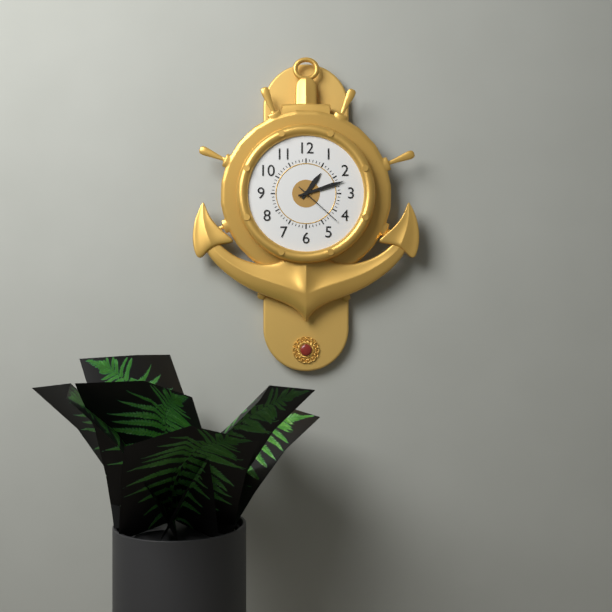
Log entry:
1 h 12 min 22 s
